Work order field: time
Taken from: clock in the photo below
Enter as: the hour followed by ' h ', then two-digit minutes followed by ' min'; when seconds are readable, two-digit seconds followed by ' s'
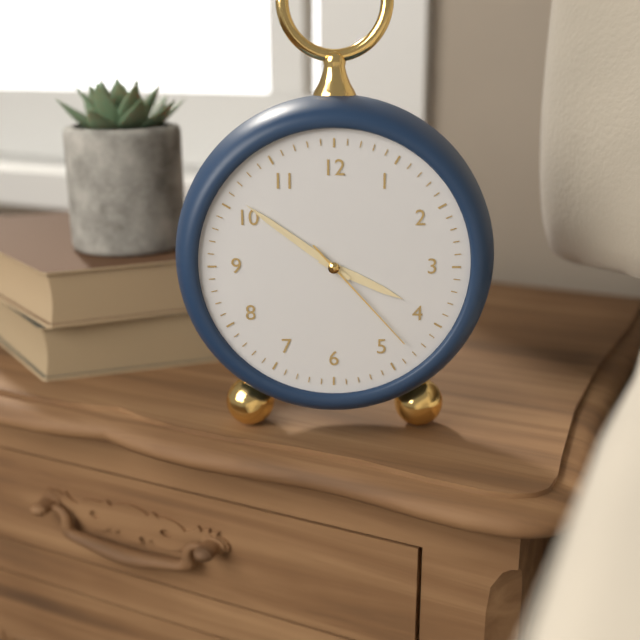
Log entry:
3 h 51 min 23 s
